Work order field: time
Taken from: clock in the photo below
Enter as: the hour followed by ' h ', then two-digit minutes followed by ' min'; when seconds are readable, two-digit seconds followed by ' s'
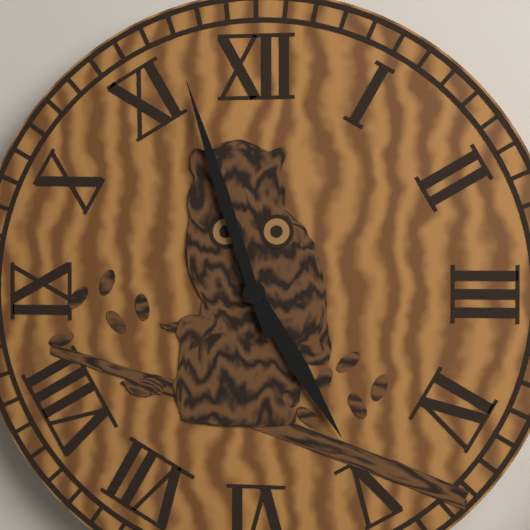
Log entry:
4 h 57 min
